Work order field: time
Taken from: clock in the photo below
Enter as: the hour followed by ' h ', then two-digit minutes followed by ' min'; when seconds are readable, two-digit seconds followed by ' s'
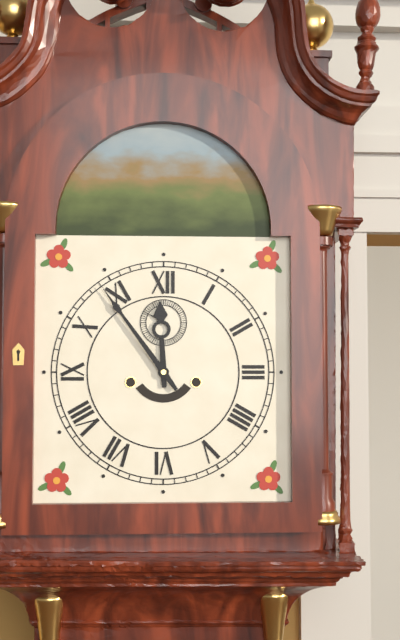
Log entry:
11 h 54 min
